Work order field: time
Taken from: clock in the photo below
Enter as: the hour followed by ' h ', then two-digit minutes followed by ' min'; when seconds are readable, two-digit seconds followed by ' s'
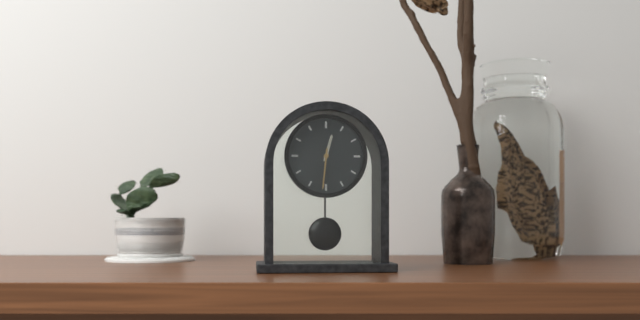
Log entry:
12 h 31 min
